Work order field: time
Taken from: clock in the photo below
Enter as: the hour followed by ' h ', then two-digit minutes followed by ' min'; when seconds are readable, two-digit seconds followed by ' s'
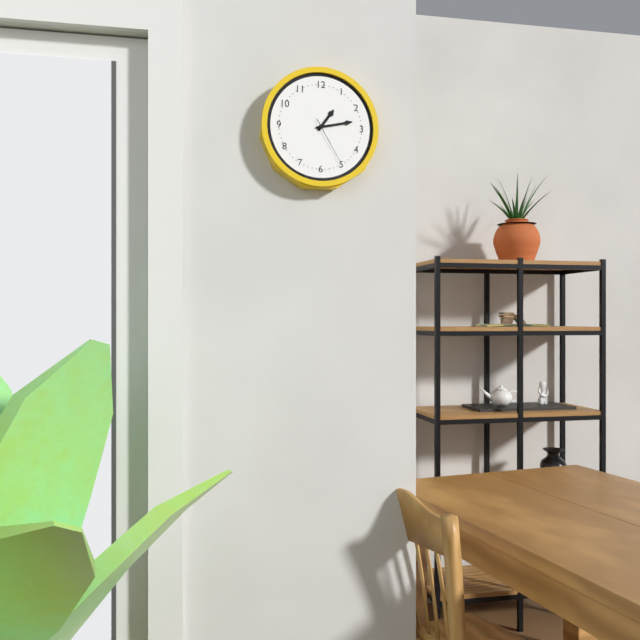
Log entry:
1 h 13 min 25 s
